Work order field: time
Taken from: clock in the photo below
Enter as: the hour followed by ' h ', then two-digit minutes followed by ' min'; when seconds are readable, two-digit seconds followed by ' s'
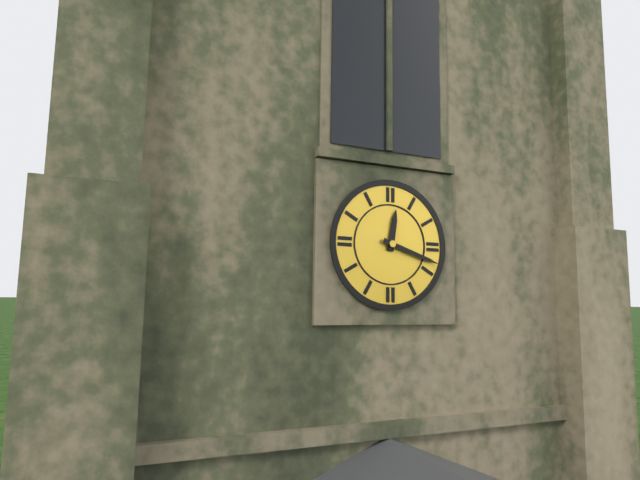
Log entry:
12 h 18 min
